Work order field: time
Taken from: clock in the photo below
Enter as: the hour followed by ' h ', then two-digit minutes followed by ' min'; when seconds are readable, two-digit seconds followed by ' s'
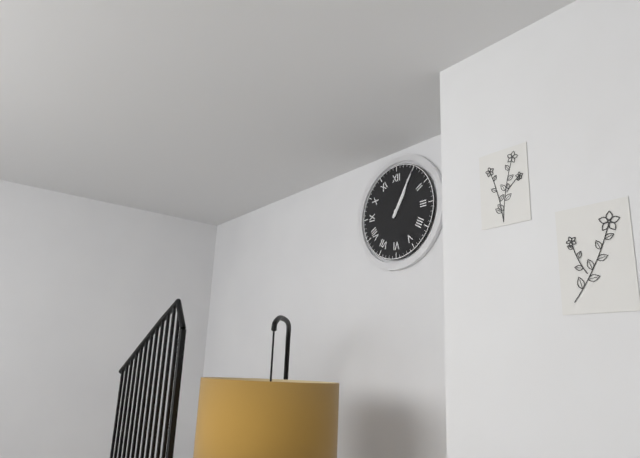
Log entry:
1 h 05 min
